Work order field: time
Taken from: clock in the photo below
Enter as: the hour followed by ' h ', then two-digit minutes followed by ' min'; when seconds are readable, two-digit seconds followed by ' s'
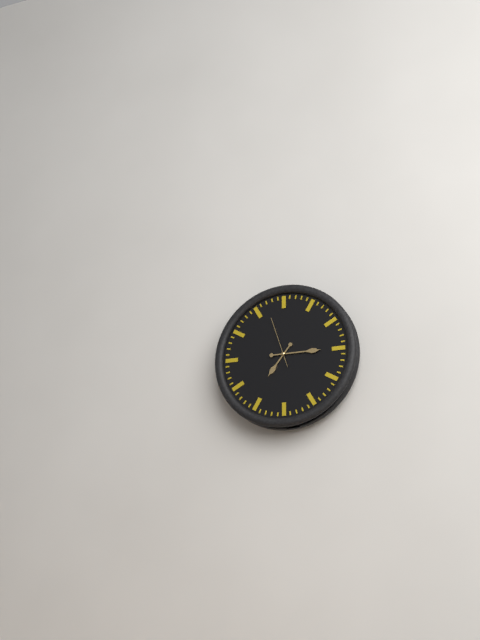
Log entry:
7 h 15 min
